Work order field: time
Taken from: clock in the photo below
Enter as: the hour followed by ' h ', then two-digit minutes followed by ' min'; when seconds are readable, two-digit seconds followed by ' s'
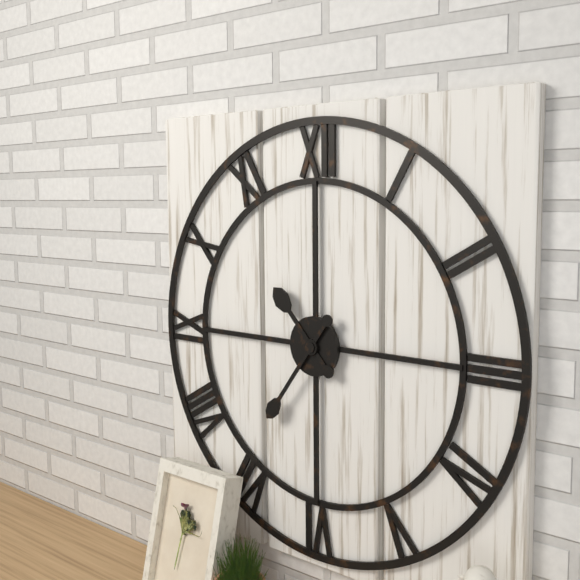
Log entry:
10 h 36 min
